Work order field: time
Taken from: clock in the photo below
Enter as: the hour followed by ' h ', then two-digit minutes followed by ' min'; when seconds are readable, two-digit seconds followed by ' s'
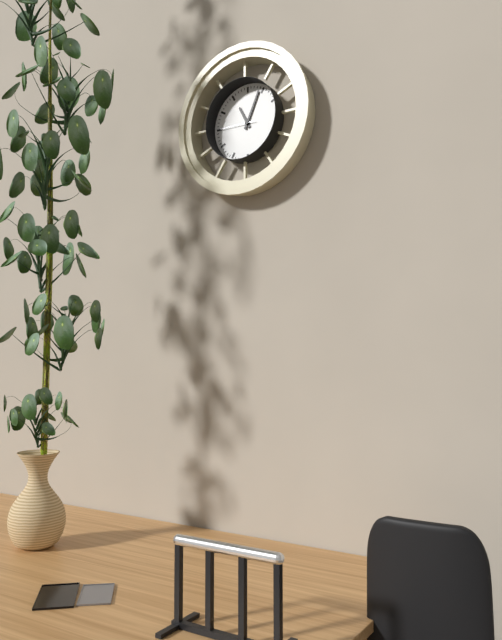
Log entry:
11 h 04 min
